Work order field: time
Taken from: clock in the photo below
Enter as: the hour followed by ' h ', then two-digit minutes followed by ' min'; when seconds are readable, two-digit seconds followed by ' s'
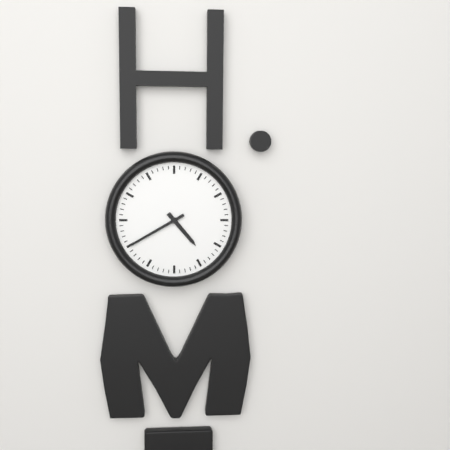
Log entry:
4 h 40 min
